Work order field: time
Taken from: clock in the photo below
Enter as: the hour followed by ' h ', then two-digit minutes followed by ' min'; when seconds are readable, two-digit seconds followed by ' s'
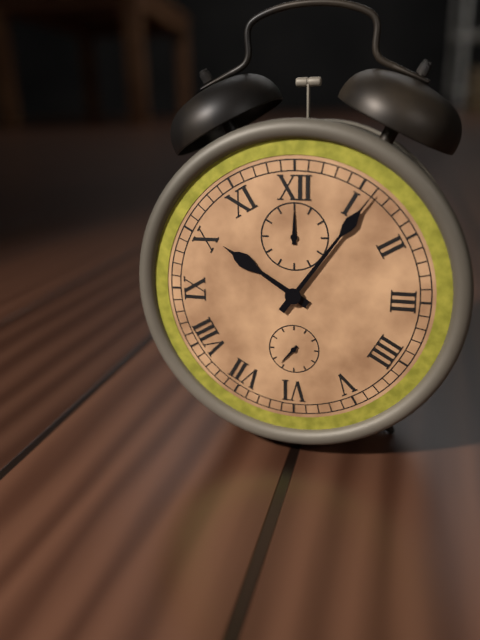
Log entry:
10 h 06 min
